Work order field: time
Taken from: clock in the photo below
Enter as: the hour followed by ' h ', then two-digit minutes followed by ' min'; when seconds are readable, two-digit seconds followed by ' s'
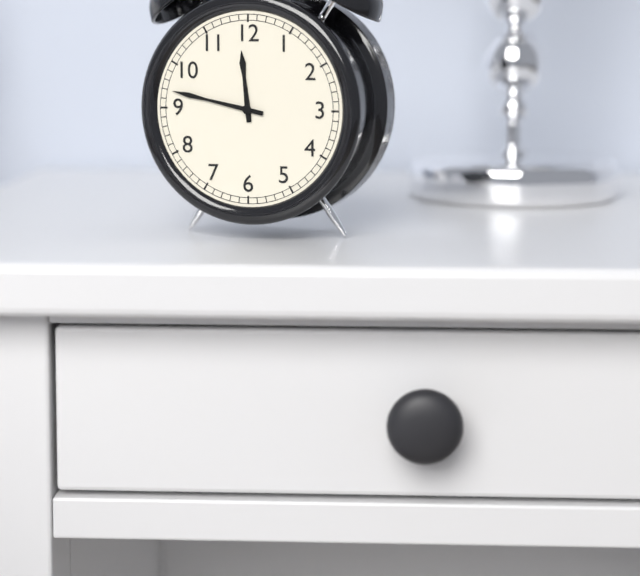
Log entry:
11 h 47 min
